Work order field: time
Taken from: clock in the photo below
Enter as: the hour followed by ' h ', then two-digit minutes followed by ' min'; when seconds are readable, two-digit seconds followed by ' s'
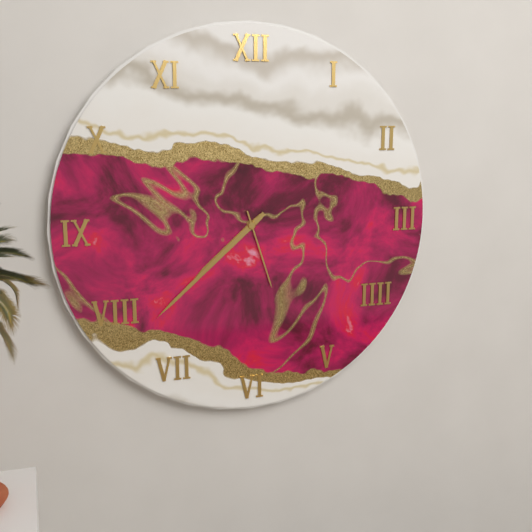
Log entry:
7 h 38 min 27 s
